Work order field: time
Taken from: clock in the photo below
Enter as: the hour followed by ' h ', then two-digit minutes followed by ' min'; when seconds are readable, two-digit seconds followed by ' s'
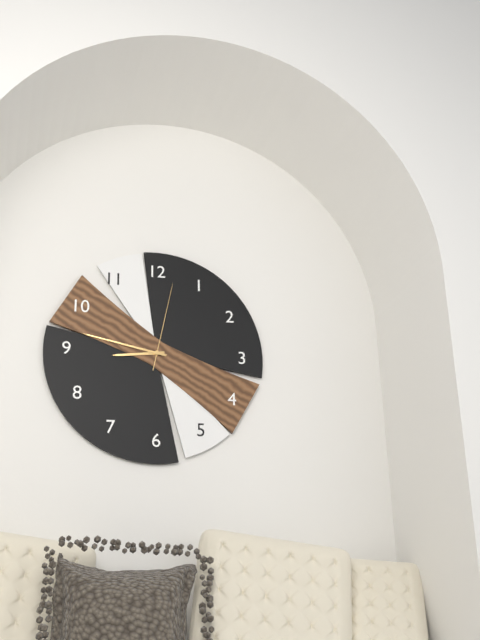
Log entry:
8 h 47 min 02 s
